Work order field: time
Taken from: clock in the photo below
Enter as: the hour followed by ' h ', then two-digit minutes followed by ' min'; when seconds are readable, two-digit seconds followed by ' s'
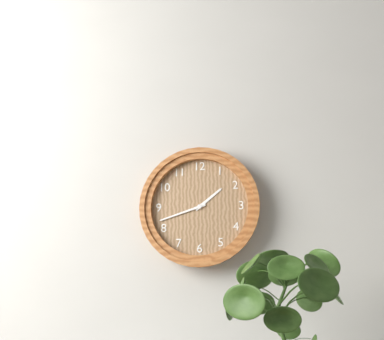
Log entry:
1 h 42 min
